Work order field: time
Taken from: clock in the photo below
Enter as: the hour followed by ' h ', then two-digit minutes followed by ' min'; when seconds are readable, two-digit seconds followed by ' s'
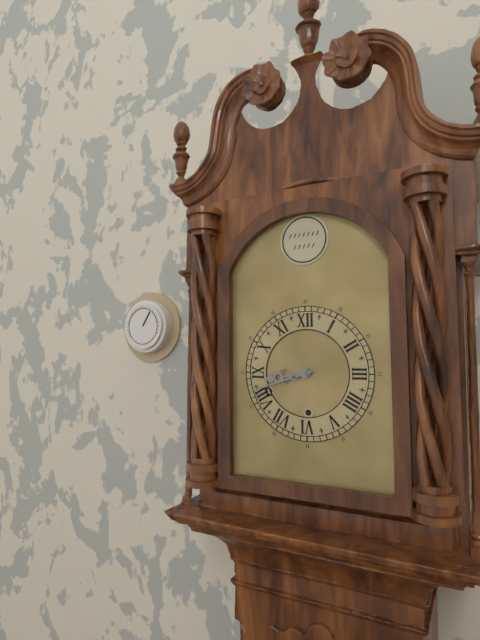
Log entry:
8 h 42 min
